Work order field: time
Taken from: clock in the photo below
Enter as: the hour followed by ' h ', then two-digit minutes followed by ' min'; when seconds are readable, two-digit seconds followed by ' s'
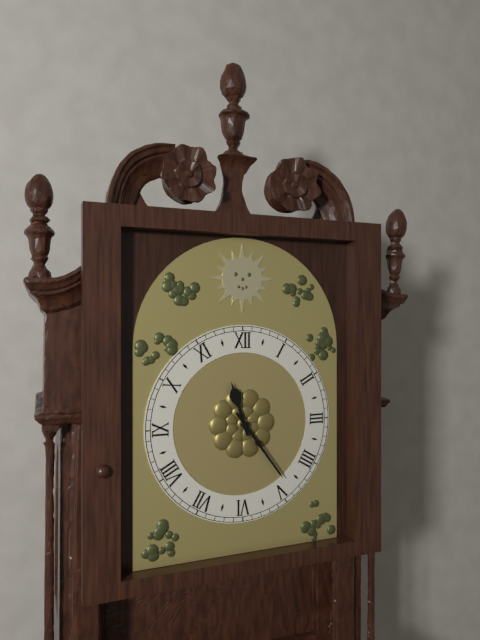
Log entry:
11 h 24 min
